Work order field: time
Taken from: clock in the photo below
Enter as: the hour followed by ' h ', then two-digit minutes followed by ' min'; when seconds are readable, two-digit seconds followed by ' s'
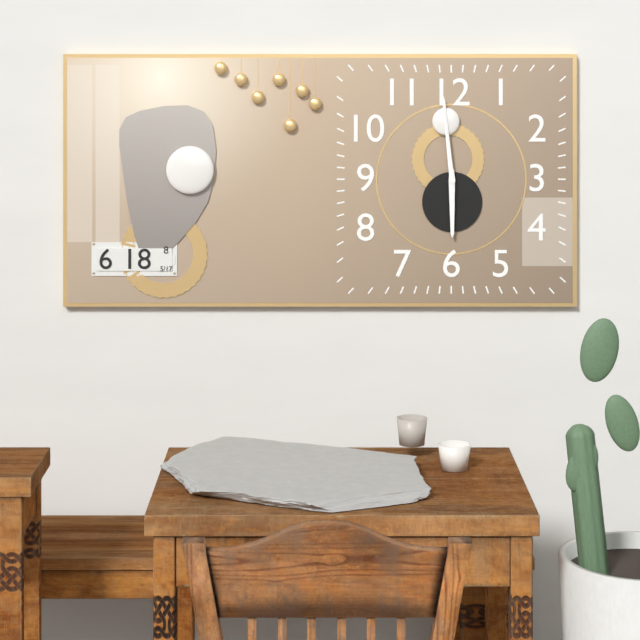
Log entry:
5 h 59 min 59 s
